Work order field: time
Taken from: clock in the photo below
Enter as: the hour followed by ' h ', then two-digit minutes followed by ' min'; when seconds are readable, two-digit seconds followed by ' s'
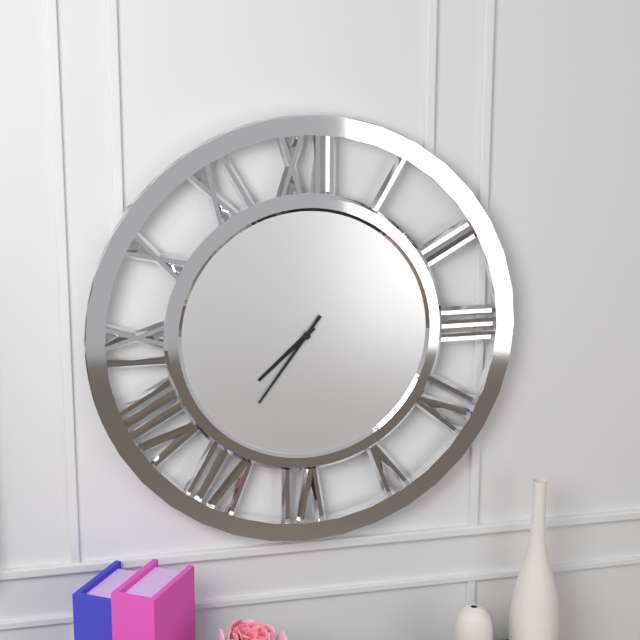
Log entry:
7 h 36 min
